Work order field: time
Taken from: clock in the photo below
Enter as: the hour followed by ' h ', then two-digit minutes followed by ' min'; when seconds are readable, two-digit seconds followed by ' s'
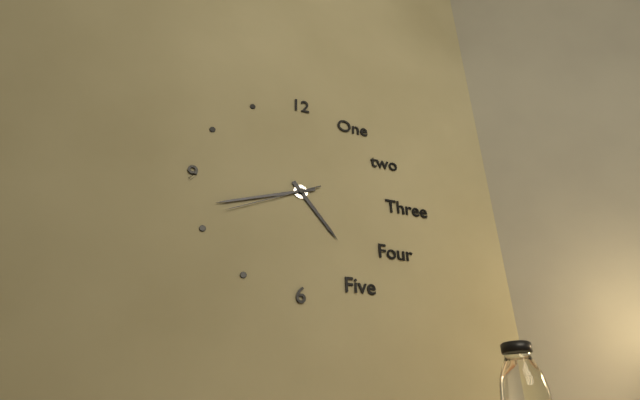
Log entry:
4 h 42 min 41 s
